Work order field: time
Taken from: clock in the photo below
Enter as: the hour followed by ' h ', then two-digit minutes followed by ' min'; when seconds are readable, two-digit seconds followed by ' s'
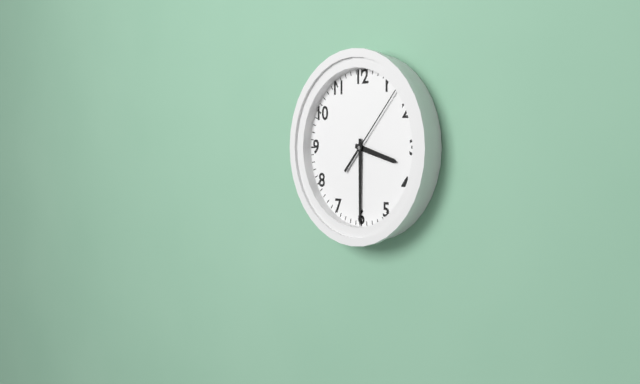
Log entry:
3 h 30 min 07 s
